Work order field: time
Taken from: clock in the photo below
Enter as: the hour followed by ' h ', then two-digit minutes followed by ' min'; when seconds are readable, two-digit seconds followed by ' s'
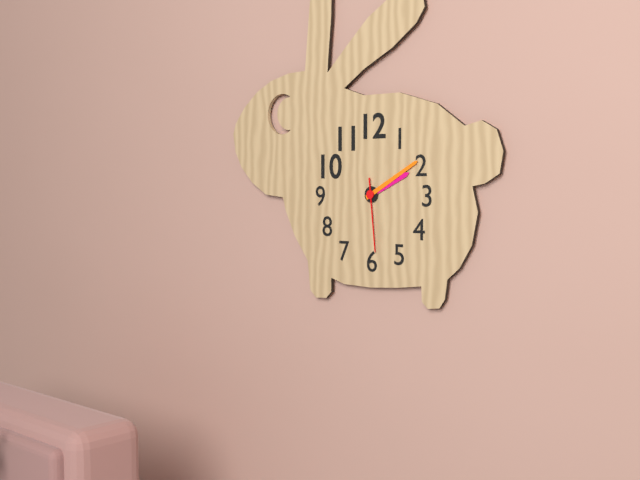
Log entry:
2 h 10 min 29 s
